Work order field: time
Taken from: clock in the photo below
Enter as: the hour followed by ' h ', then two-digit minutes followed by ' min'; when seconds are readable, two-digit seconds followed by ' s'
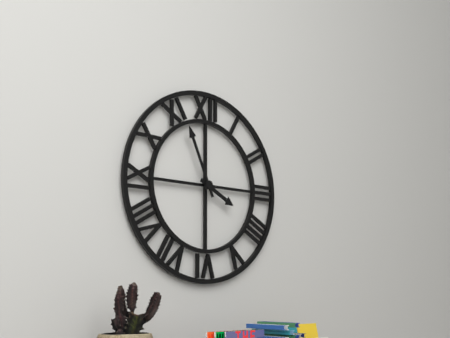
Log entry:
3 h 56 min
